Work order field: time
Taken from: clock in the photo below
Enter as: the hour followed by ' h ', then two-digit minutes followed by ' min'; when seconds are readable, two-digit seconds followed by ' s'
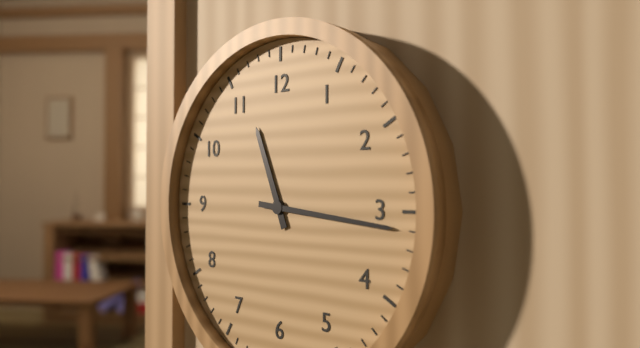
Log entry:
11 h 16 min
